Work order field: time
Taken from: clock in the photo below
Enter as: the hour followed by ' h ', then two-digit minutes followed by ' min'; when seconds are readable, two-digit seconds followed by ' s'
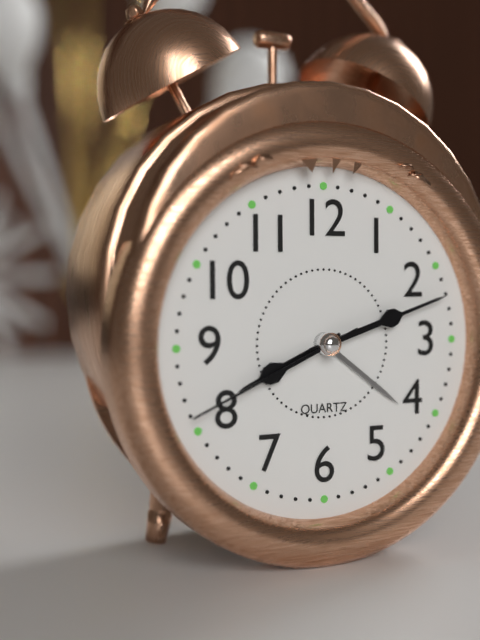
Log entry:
8 h 12 min 41 s
